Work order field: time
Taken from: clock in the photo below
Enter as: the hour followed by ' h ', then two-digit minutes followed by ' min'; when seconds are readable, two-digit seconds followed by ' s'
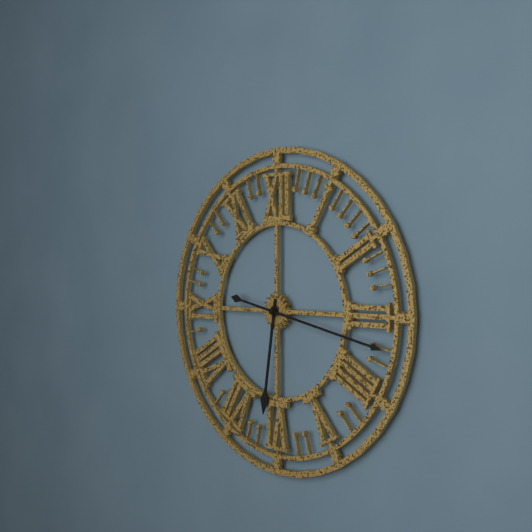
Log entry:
6 h 17 min
